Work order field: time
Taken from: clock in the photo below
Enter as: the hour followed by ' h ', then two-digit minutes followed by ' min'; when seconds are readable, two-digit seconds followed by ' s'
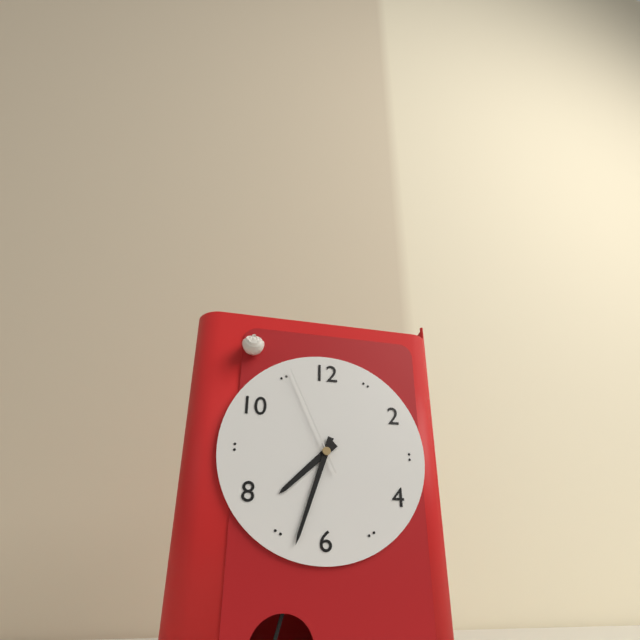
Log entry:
7 h 33 min 56 s
